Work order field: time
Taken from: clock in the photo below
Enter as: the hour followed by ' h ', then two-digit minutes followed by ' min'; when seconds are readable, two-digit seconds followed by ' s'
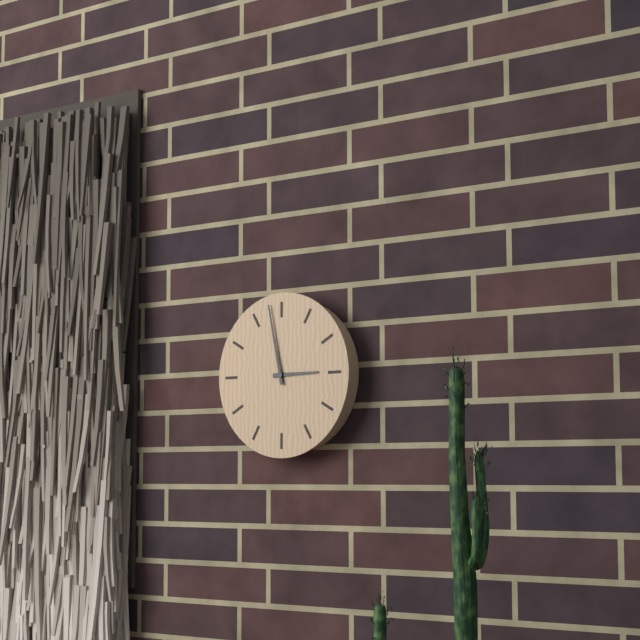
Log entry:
2 h 58 min
